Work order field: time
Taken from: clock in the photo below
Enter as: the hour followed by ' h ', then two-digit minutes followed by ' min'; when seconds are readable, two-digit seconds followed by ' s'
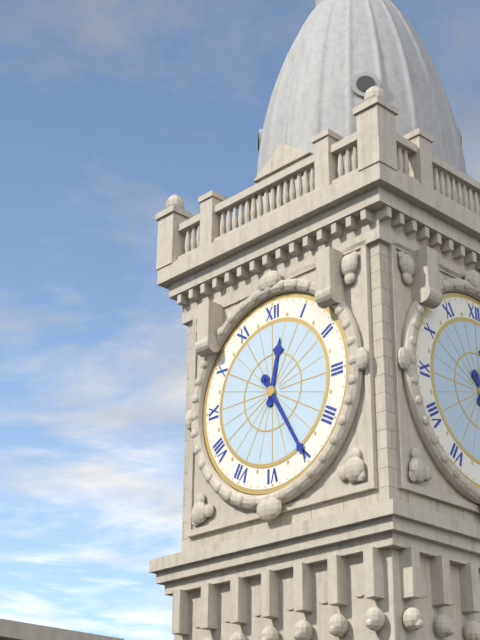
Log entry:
12 h 25 min
